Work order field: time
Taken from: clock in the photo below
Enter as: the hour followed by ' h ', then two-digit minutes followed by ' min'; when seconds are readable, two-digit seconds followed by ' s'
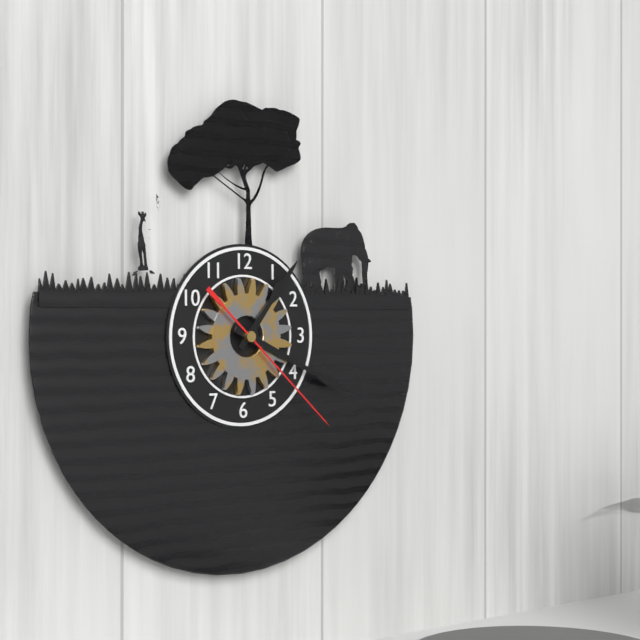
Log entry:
1 h 19 min 22 s
